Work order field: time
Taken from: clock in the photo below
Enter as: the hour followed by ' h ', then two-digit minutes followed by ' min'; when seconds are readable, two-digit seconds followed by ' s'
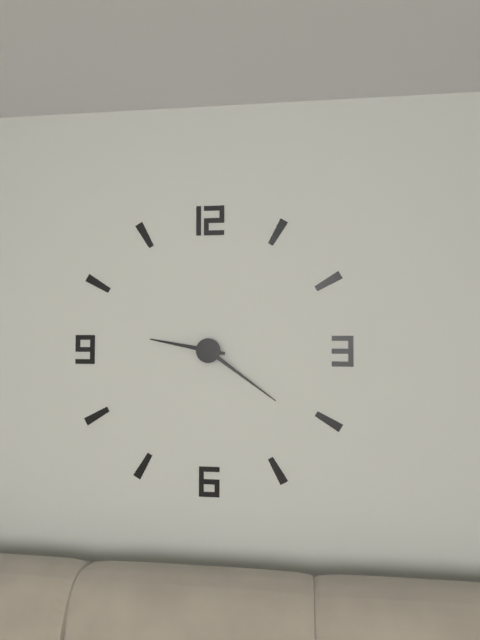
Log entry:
9 h 21 min
